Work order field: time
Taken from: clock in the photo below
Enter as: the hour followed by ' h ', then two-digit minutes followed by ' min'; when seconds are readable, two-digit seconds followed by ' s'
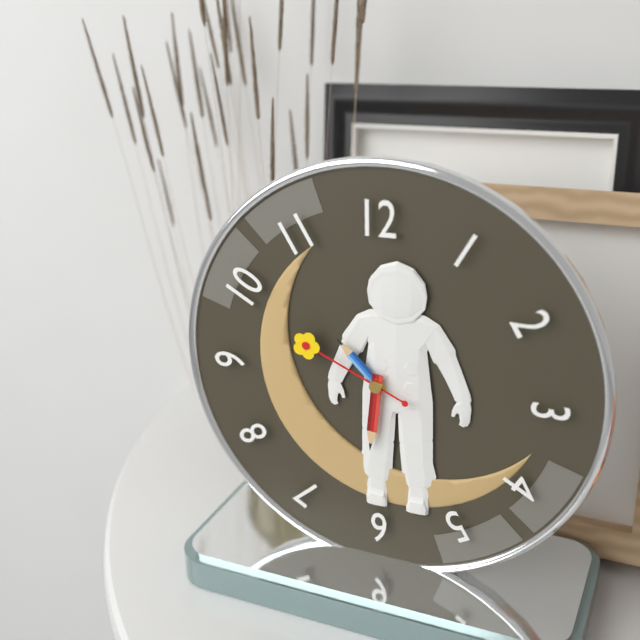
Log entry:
10 h 31 min 49 s
